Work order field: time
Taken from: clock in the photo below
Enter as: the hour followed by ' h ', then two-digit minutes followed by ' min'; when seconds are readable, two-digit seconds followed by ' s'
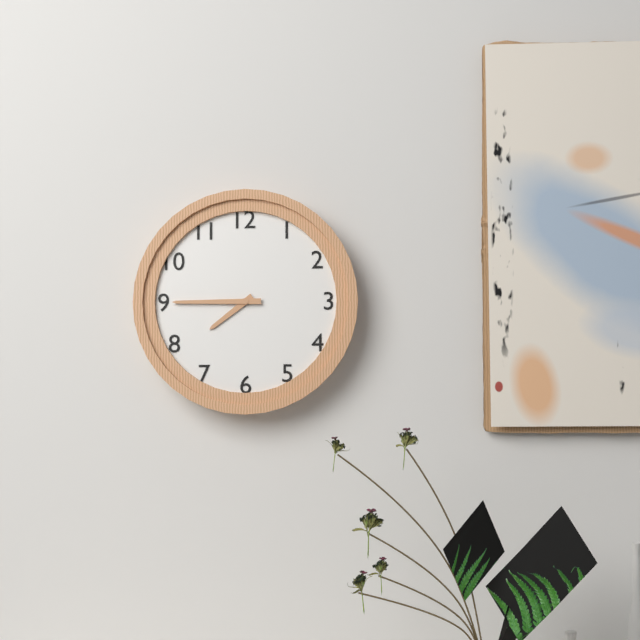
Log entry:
7 h 45 min
